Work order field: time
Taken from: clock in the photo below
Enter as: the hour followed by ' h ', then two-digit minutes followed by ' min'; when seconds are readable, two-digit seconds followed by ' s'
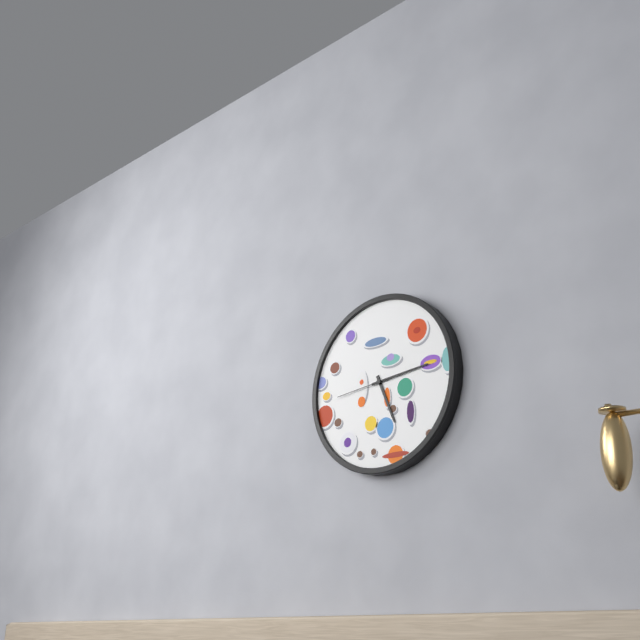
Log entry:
5 h 14 min 44 s
